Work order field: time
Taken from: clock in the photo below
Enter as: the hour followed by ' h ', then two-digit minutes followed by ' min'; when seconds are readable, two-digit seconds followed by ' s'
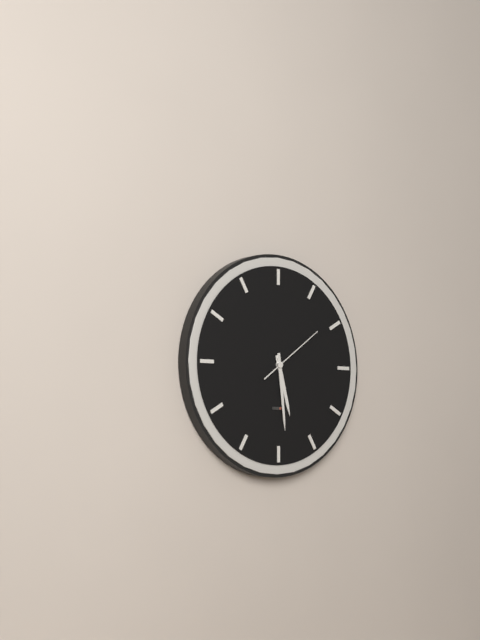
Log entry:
5 h 29 min 09 s
